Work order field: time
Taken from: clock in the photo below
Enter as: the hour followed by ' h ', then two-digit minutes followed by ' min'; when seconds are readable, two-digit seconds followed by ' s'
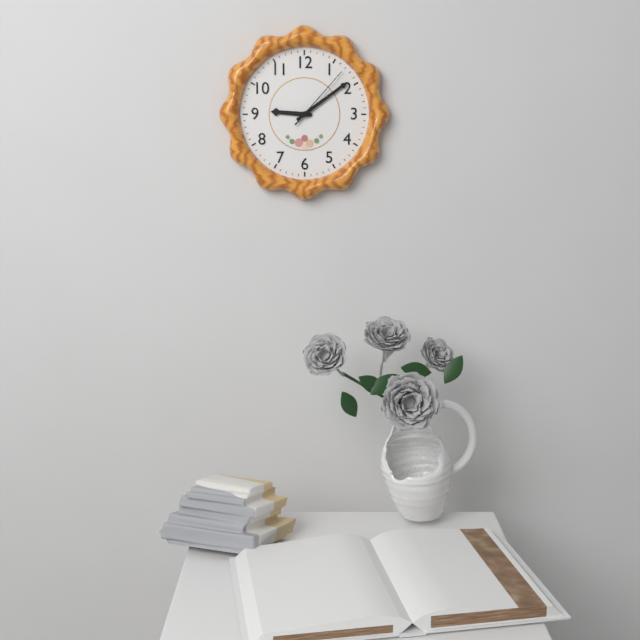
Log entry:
9 h 09 min 07 s
